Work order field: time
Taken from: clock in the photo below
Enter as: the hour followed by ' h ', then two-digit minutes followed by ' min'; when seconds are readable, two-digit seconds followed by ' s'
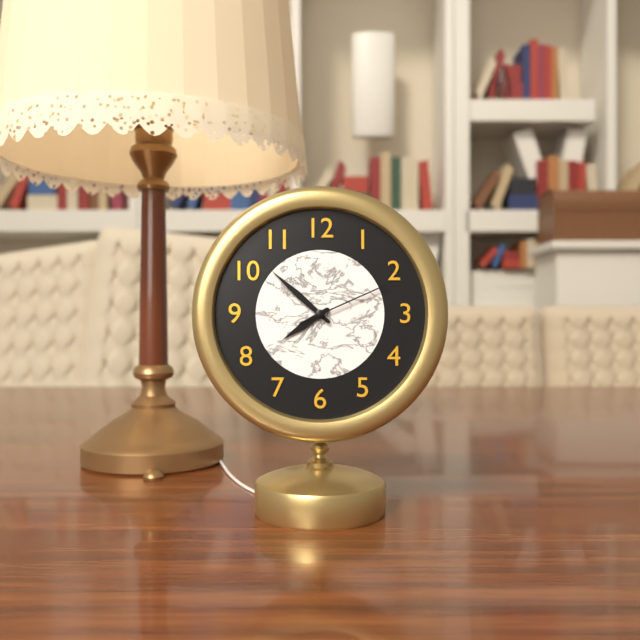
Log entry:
7 h 52 min 11 s
